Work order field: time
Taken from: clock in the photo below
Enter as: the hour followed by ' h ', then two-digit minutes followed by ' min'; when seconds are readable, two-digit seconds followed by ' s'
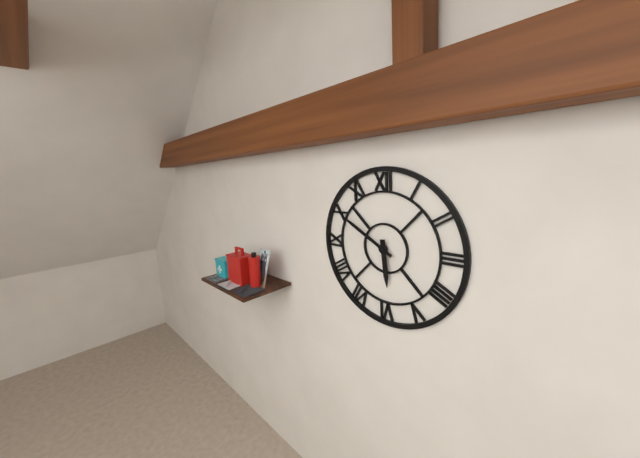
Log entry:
5 h 50 min
